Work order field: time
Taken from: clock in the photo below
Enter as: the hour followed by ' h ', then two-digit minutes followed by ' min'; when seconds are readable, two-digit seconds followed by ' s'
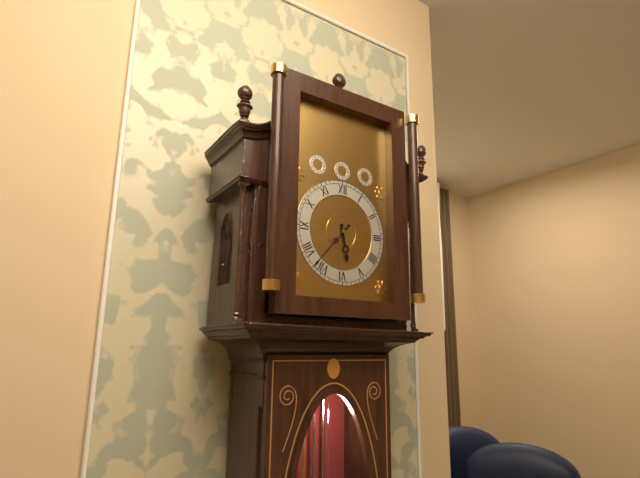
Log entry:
5 h 37 min
